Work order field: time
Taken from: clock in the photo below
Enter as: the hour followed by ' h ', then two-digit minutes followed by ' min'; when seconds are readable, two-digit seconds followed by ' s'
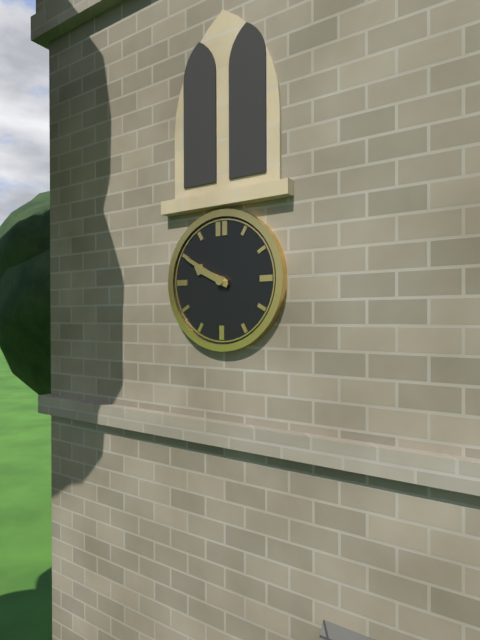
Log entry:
9 h 50 min
